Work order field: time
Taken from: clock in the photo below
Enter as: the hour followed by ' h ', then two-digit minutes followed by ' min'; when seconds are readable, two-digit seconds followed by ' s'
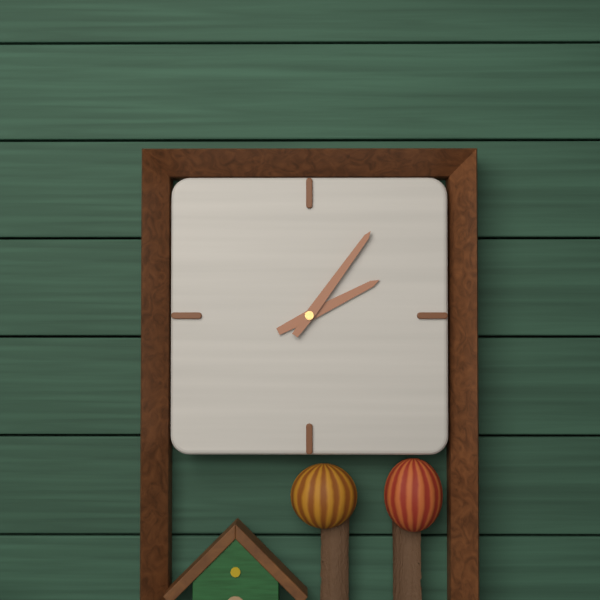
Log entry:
2 h 06 min
